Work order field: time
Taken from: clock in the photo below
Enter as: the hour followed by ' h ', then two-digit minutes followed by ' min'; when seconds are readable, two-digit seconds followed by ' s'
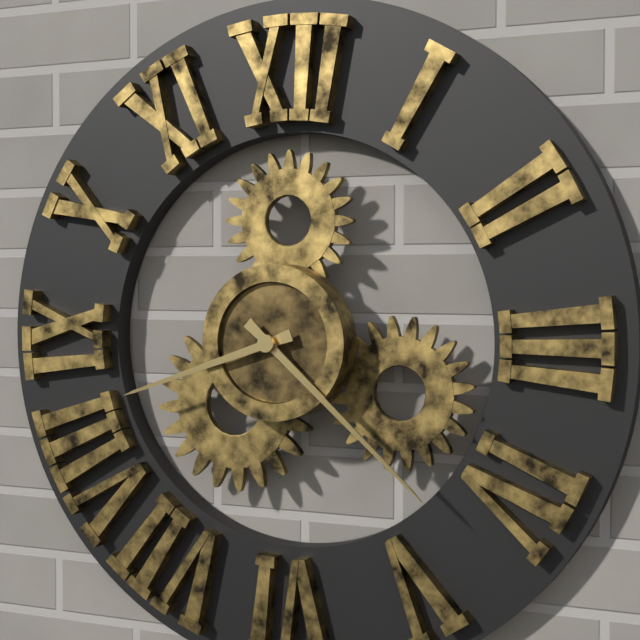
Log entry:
8 h 22 min
